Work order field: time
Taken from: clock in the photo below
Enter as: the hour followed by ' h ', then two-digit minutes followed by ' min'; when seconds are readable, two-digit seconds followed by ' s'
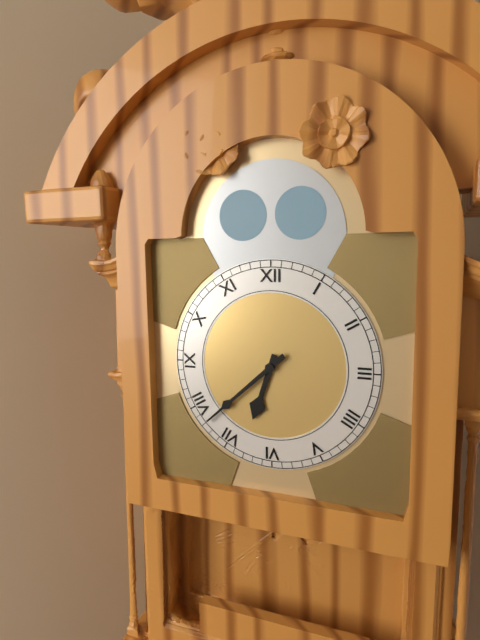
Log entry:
6 h 38 min
